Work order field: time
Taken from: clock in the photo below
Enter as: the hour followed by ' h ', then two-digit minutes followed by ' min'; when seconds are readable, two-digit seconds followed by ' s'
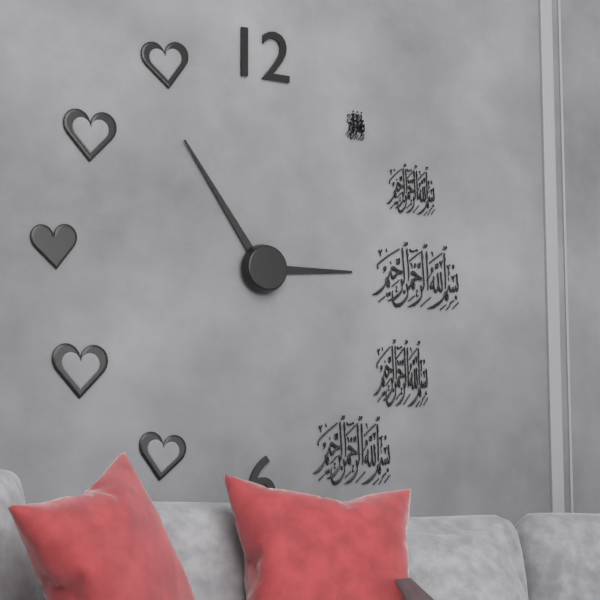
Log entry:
2 h 54 min
